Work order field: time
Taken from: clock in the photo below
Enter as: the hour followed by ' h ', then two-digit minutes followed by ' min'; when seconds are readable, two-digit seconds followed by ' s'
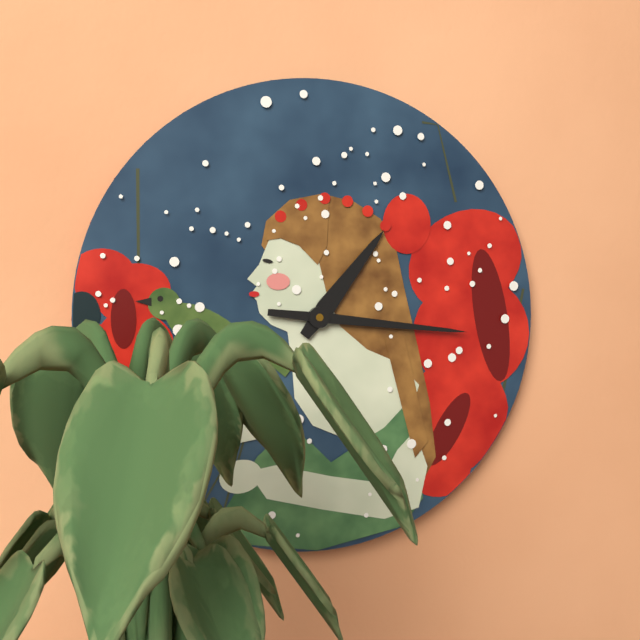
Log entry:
1 h 16 min
